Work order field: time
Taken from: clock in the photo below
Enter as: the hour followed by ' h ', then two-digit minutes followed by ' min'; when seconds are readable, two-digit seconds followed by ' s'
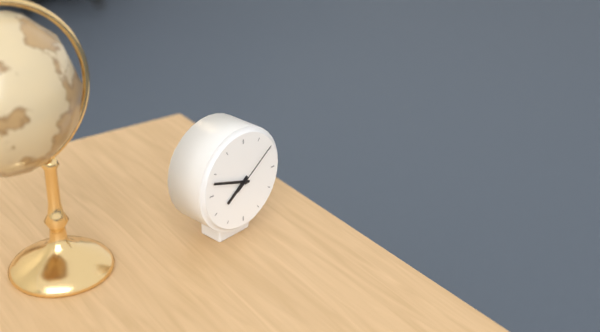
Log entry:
7 h 48 min 09 s
